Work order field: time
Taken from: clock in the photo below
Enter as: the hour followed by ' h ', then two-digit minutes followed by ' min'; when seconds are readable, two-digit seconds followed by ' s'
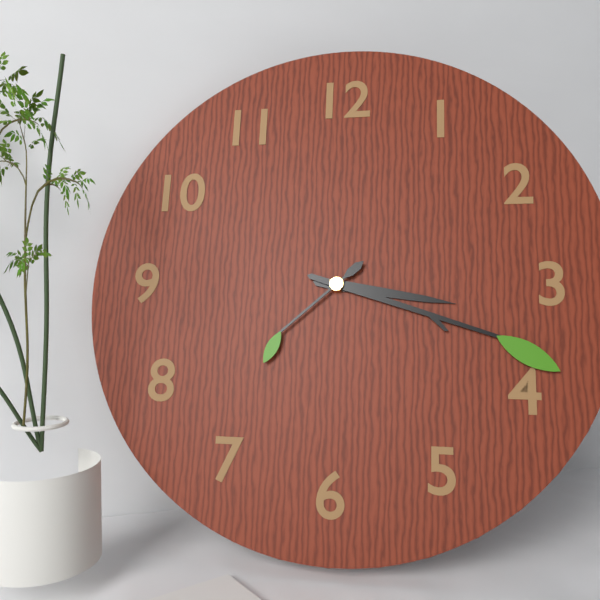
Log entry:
3 h 18 min 38 s
